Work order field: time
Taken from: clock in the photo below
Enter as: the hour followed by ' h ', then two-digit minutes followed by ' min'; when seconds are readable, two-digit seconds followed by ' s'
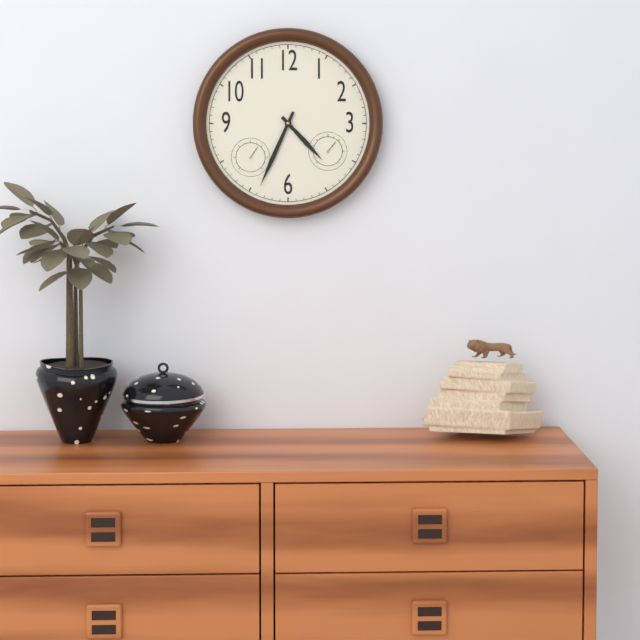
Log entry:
4 h 34 min
